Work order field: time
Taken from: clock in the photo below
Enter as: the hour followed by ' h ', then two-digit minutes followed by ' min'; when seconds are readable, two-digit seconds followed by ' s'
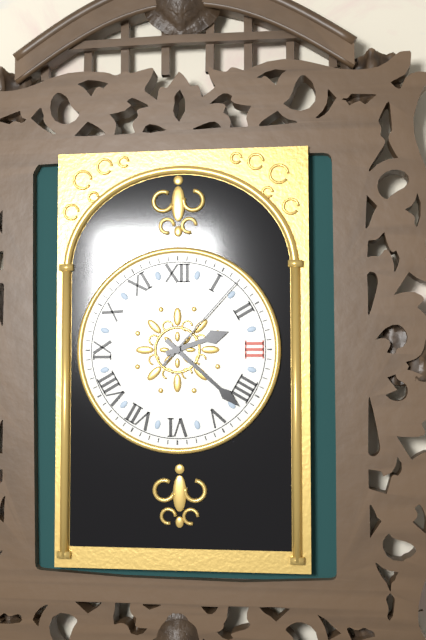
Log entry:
2 h 22 min 07 s
